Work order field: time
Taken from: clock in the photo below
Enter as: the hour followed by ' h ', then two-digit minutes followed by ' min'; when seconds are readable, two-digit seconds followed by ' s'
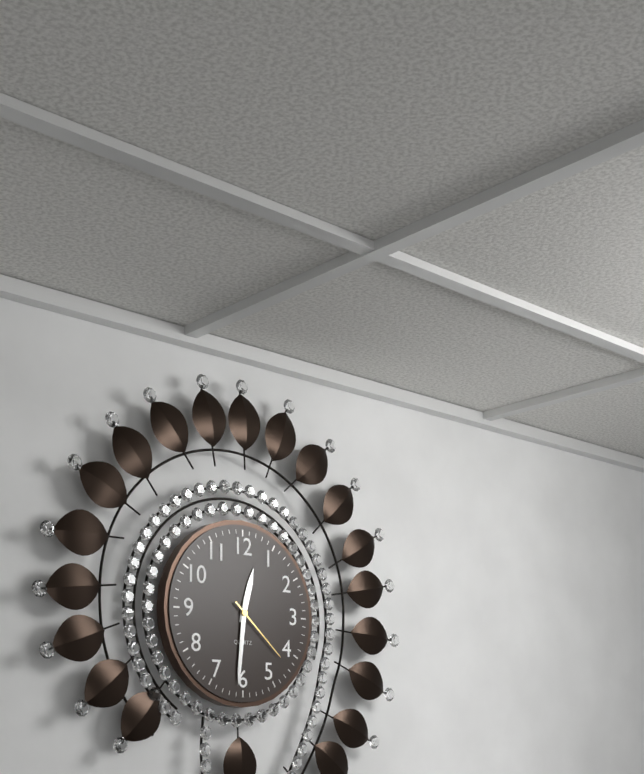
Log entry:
12 h 31 min 22 s
